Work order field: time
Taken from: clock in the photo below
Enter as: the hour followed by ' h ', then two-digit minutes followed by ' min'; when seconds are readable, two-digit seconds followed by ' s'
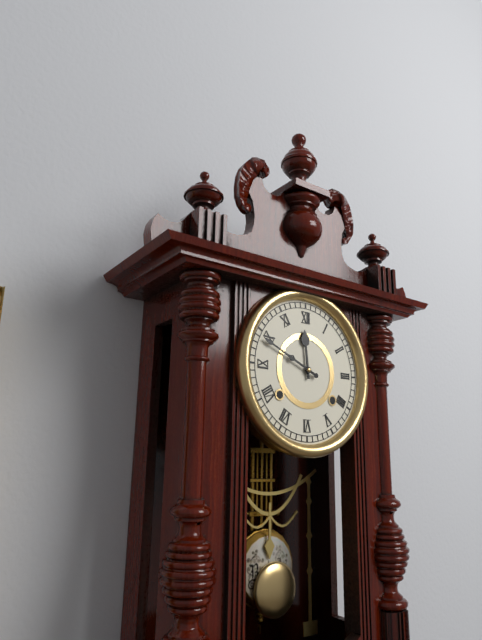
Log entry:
11 h 49 min
